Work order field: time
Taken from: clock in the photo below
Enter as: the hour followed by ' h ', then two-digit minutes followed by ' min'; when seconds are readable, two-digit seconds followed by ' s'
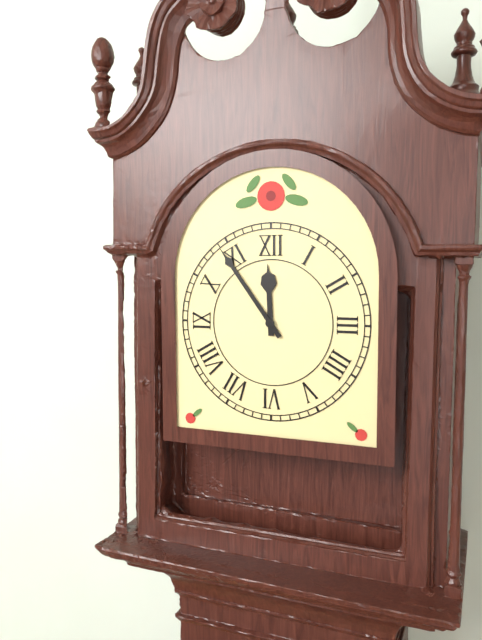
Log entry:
11 h 54 min
